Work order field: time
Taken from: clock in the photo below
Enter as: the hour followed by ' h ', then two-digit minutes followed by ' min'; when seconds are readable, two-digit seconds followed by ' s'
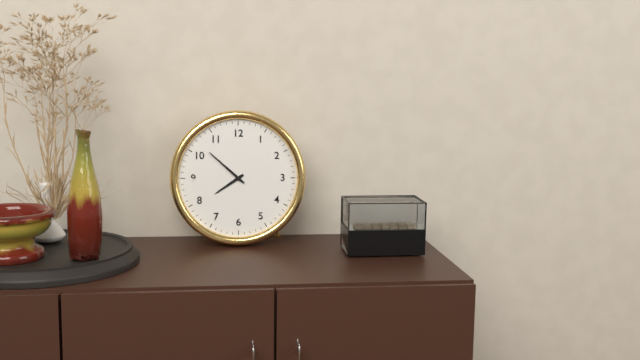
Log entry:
7 h 52 min
